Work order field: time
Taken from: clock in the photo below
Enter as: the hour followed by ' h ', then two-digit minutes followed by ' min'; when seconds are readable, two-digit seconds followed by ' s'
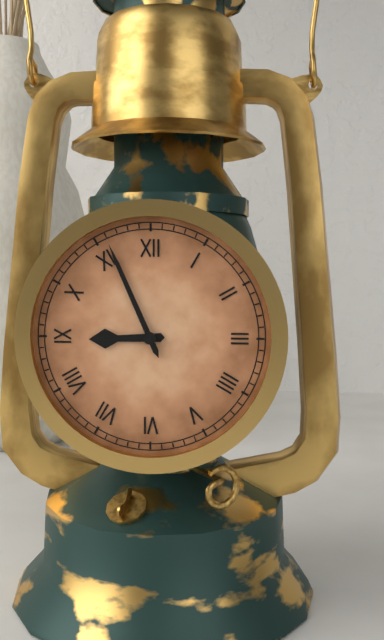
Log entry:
8 h 56 min
